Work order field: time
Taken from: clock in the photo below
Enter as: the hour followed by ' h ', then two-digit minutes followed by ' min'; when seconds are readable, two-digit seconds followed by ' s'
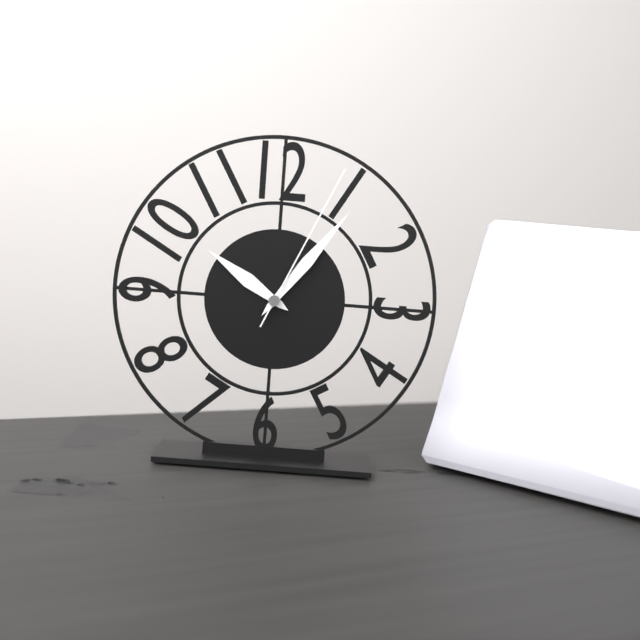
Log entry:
10 h 06 min 04 s
